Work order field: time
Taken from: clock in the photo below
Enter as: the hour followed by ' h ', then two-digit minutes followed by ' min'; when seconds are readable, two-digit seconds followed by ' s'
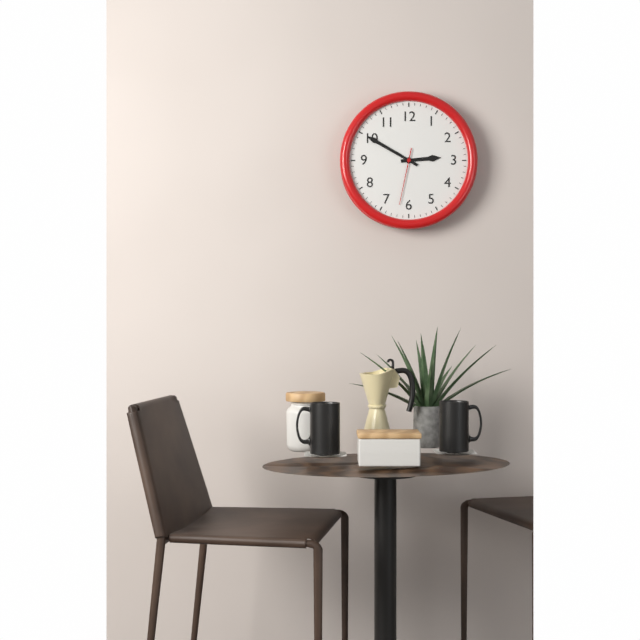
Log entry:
2 h 50 min 32 s
